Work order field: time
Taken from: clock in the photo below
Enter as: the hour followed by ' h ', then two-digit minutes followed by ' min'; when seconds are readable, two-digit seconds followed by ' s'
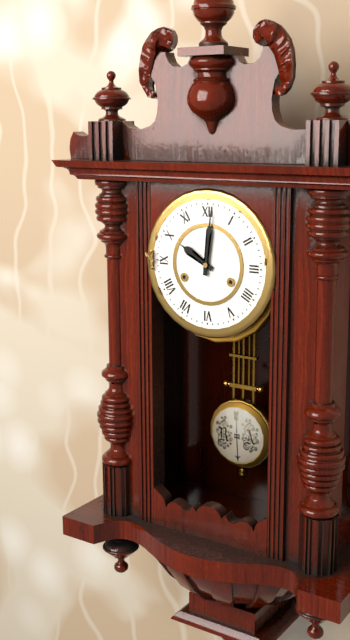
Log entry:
10 h 01 min
